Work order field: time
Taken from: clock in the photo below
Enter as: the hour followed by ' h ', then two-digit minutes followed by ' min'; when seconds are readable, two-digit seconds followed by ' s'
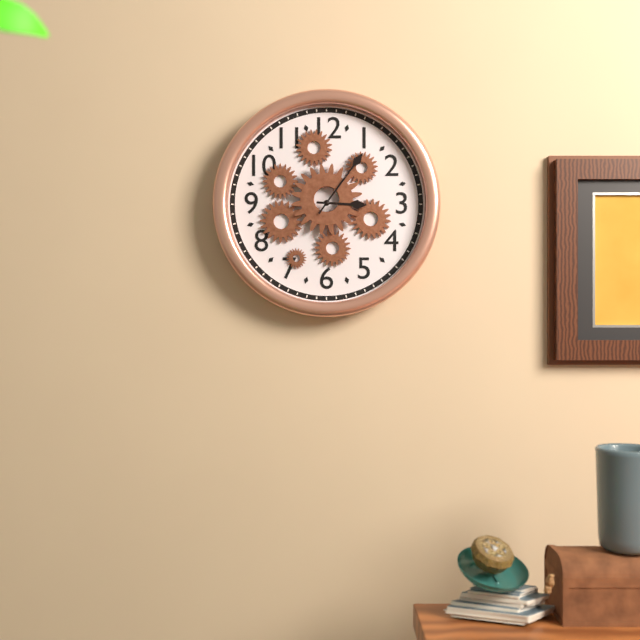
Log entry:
3 h 06 min
